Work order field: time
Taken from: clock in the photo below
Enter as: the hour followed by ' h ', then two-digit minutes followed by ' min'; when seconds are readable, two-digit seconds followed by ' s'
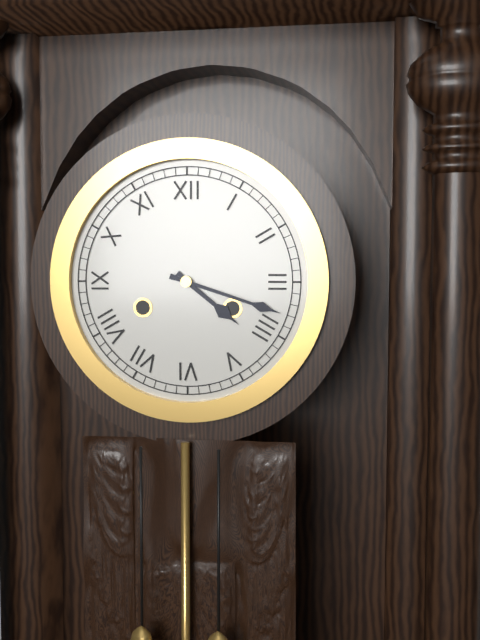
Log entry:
4 h 18 min
